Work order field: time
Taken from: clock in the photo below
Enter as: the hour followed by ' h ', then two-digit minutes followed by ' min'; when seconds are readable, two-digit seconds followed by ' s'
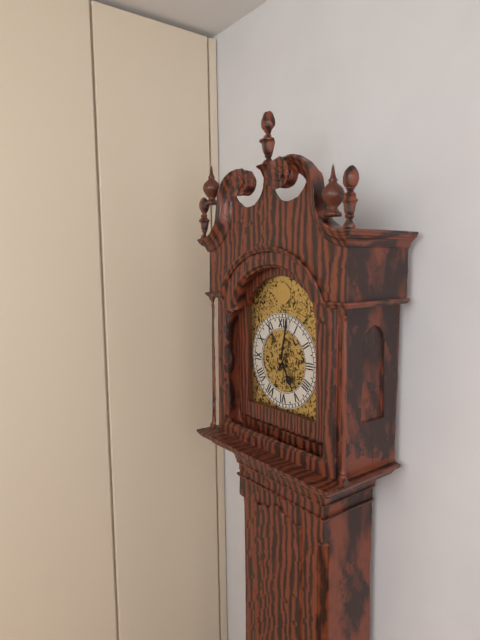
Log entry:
5 h 02 min
